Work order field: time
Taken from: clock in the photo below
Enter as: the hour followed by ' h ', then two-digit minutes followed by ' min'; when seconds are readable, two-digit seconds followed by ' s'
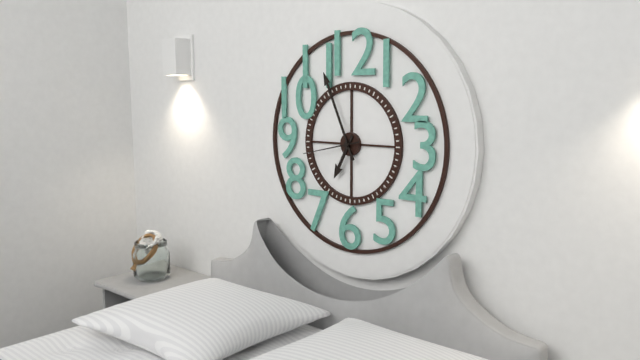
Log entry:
6 h 56 min 43 s
